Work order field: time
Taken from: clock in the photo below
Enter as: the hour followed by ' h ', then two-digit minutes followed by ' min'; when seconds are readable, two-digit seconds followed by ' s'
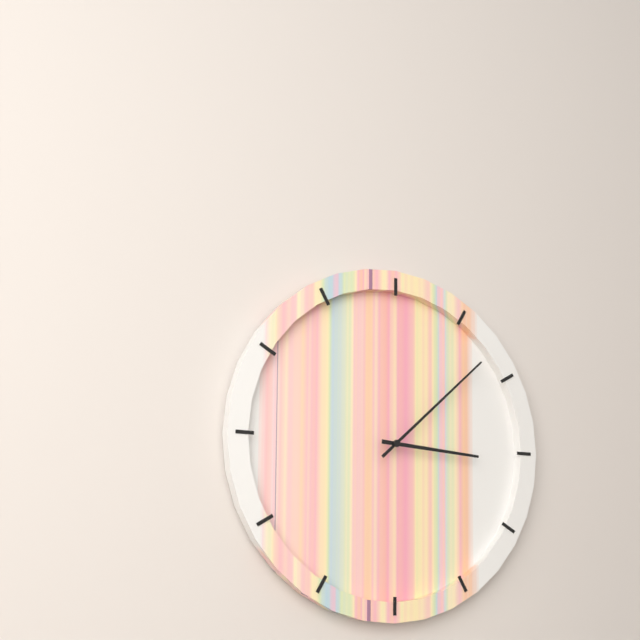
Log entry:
3 h 08 min
